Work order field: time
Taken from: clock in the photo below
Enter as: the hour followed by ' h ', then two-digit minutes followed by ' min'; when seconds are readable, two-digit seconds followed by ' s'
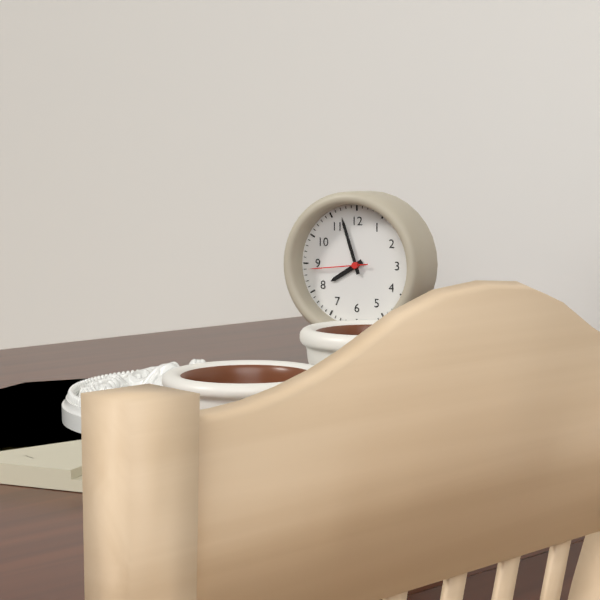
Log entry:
7 h 57 min 44 s
